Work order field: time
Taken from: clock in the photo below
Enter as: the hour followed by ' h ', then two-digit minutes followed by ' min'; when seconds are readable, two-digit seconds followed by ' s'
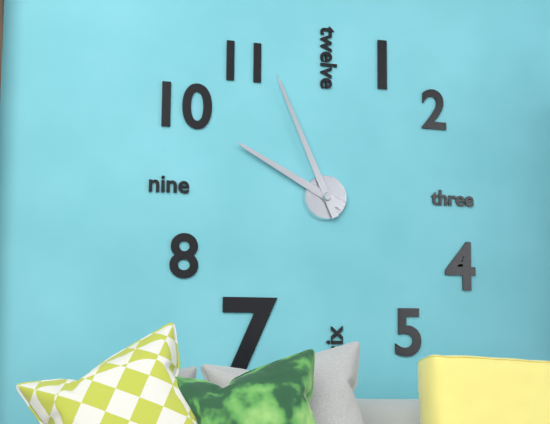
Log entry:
9 h 56 min
